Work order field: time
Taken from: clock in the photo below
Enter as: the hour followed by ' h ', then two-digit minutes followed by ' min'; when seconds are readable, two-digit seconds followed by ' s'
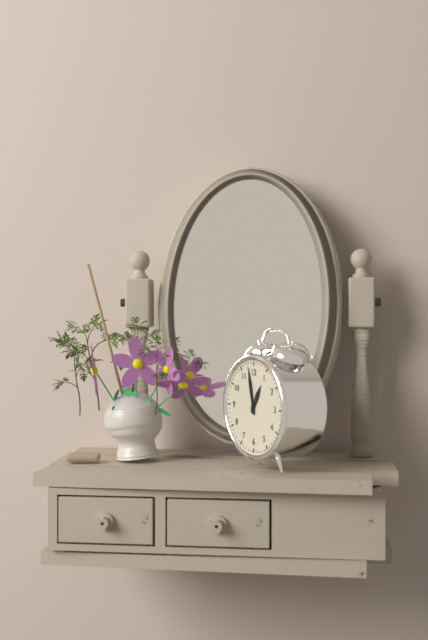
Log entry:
12 h 58 min
